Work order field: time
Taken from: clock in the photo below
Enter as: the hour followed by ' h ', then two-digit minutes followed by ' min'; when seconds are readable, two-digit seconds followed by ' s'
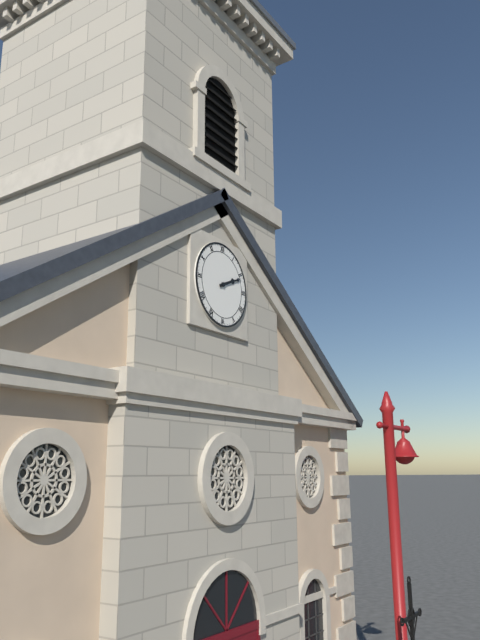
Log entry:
2 h 11 min
